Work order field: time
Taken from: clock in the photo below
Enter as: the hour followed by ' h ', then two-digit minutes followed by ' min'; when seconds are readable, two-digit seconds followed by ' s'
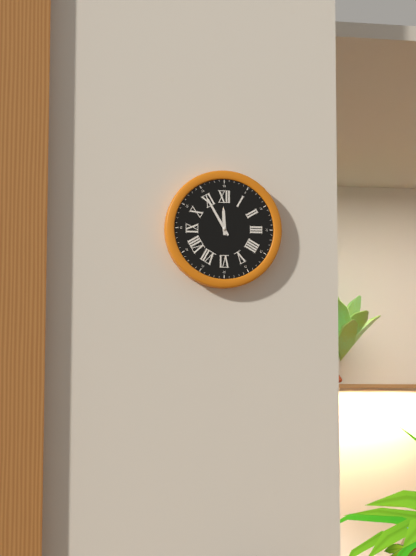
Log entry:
11 h 55 min
